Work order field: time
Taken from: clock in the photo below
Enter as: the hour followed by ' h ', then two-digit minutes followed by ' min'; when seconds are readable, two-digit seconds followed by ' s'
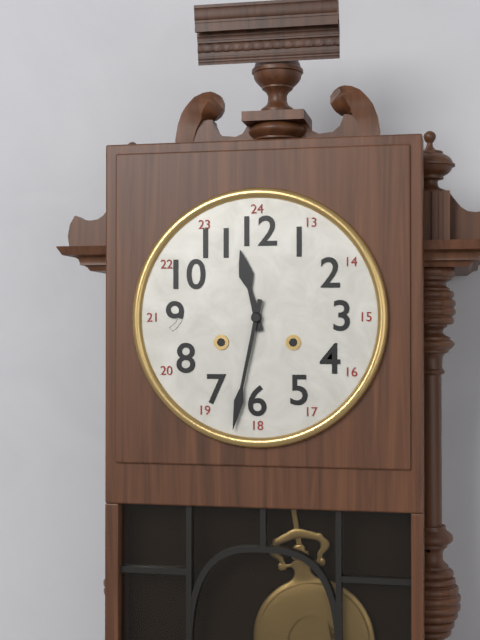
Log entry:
11 h 32 min
